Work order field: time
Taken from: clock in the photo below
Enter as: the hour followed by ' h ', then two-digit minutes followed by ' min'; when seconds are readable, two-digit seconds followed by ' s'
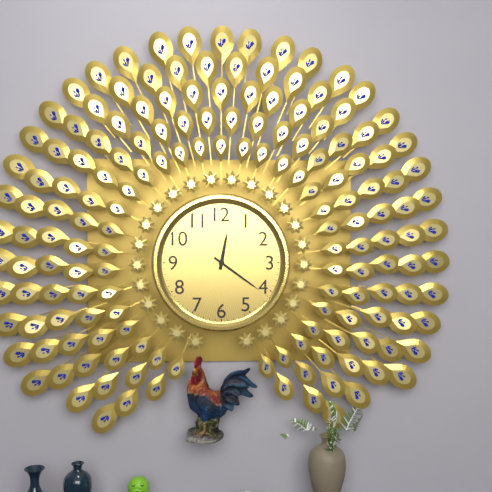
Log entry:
12 h 21 min
